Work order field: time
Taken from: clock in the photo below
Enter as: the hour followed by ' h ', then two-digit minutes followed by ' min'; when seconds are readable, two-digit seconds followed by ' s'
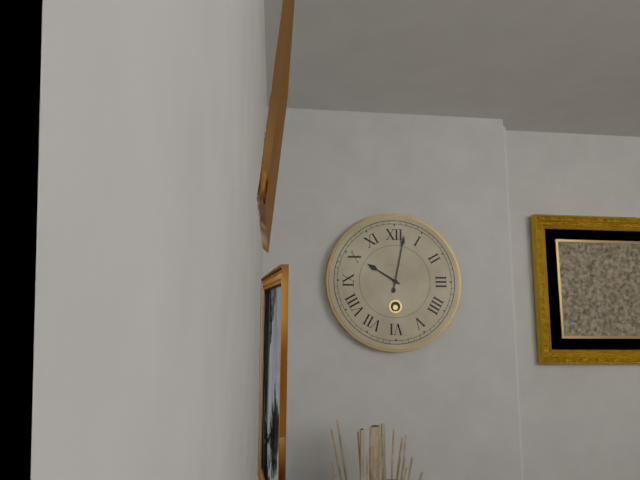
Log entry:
10 h 02 min
